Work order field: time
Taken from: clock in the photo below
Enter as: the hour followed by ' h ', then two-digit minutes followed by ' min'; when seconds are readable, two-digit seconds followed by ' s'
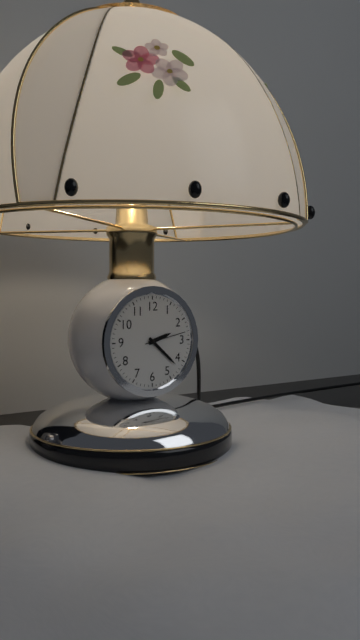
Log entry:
2 h 22 min
